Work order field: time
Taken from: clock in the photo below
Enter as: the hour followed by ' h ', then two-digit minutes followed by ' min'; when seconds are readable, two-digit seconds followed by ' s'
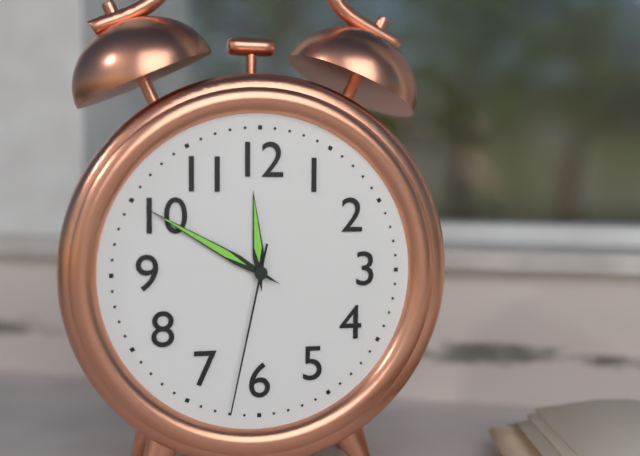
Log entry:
11 h 50 min 32 s
